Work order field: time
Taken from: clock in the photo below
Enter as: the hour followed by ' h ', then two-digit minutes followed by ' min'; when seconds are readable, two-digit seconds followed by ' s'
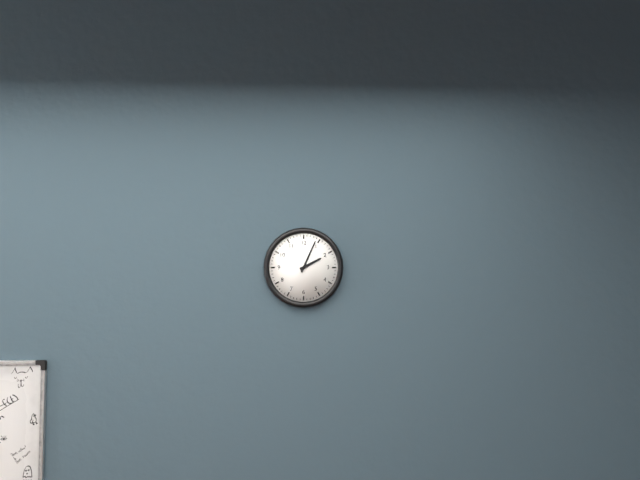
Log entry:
2 h 04 min
